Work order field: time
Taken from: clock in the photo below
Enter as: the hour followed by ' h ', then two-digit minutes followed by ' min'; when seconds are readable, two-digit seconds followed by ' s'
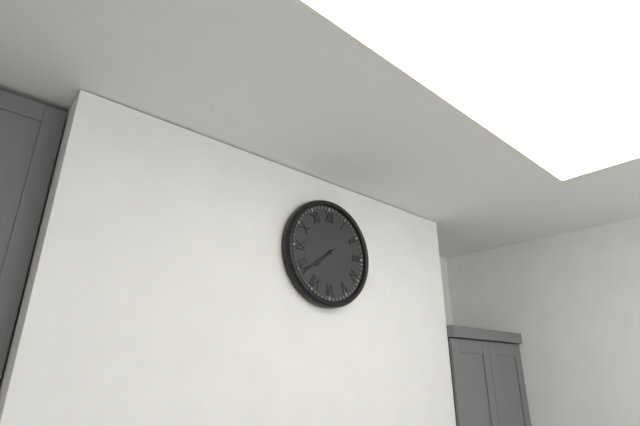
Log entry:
7 h 39 min
